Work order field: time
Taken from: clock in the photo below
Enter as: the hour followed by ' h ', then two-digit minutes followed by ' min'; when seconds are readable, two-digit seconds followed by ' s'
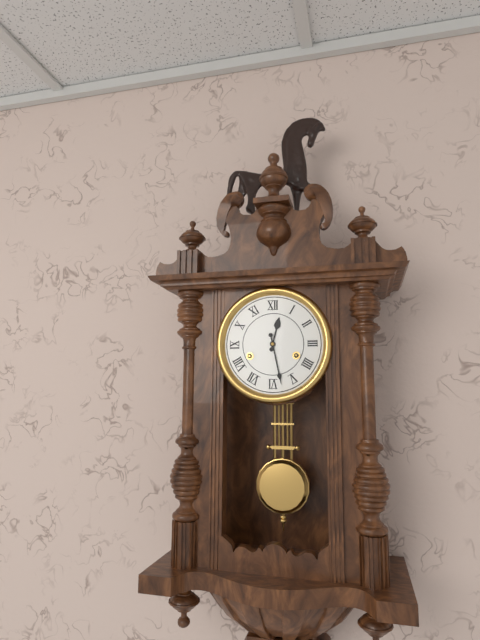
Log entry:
12 h 28 min
